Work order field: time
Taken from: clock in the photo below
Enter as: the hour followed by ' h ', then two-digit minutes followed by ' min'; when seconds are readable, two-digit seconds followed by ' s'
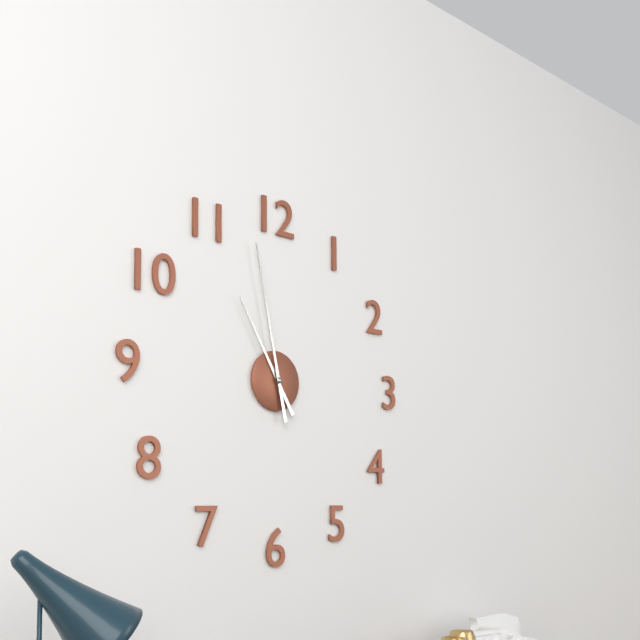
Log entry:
10 h 58 min
